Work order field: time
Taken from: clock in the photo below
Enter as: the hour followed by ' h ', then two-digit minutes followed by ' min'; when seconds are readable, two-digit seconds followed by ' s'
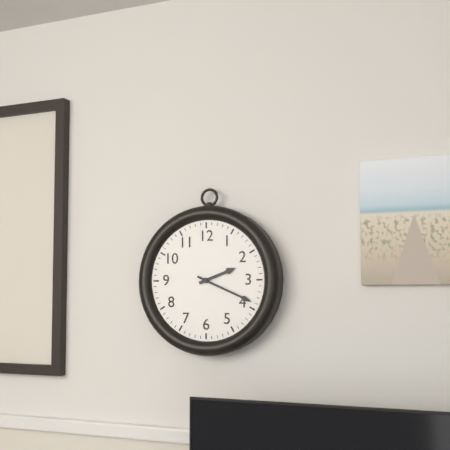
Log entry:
2 h 19 min
